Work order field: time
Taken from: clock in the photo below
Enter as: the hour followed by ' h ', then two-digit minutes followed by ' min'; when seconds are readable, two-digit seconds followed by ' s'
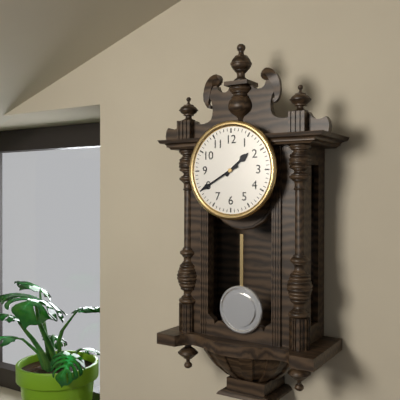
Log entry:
1 h 40 min
